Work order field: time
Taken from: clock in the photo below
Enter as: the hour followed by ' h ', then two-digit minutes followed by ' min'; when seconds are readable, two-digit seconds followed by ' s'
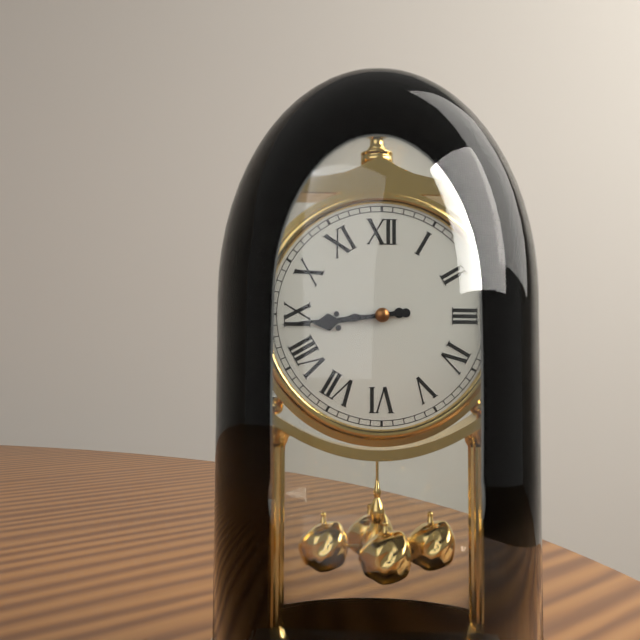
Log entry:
8 h 44 min
